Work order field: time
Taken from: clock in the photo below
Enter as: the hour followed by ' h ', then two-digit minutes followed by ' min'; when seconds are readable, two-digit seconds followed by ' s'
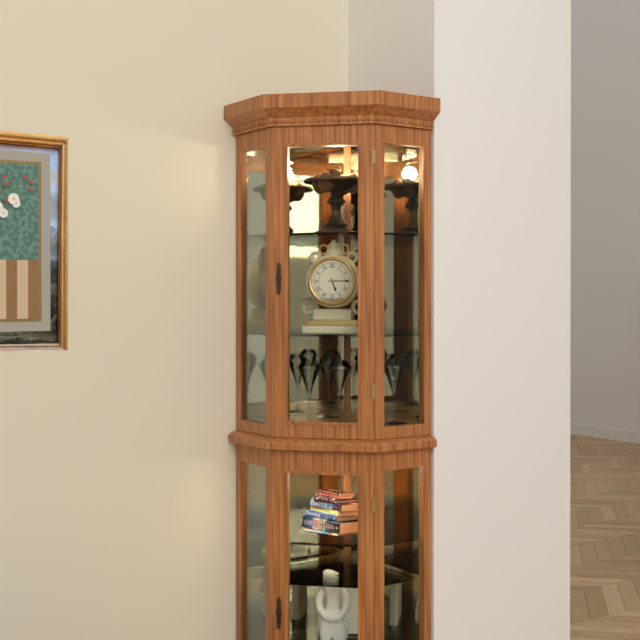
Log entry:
5 h 15 min
